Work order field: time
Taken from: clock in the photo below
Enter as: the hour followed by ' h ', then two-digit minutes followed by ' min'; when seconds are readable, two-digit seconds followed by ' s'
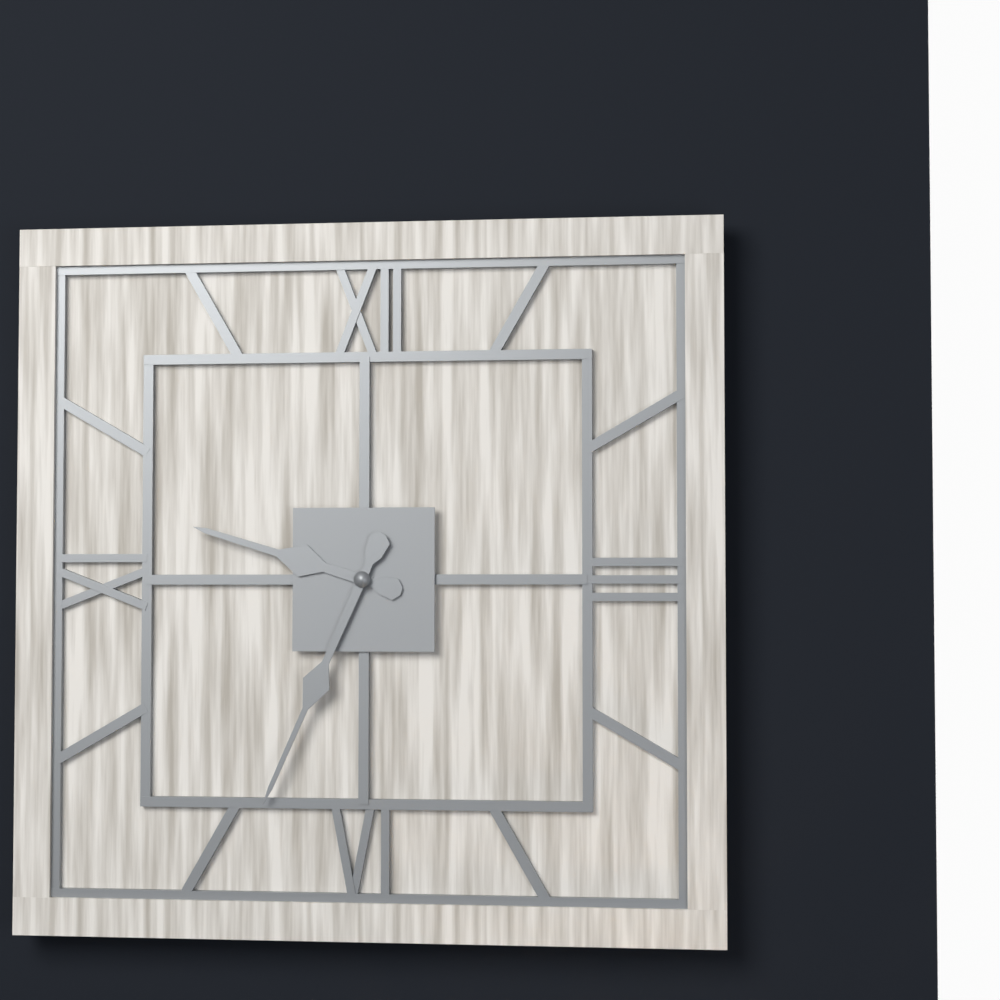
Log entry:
9 h 34 min
